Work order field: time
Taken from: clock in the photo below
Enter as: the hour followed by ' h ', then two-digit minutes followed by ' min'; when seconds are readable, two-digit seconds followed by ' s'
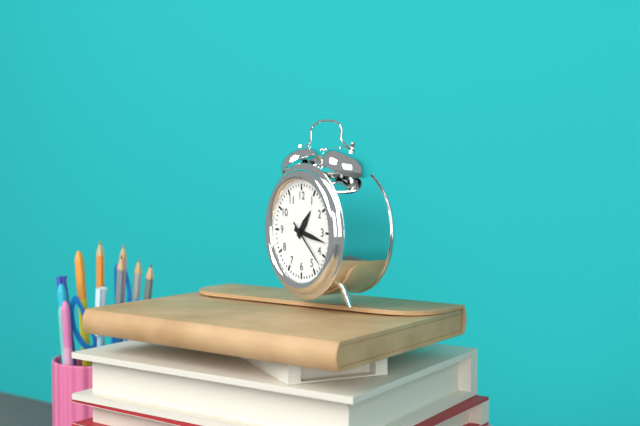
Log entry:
1 h 17 min
